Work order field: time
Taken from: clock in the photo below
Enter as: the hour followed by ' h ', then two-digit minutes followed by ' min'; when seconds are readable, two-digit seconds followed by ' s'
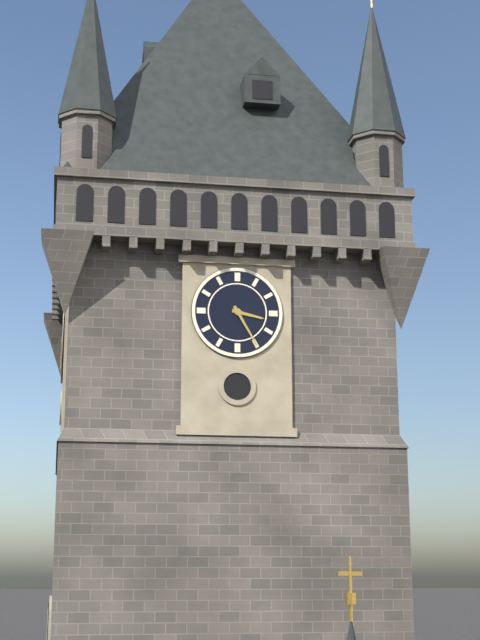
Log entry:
3 h 25 min
